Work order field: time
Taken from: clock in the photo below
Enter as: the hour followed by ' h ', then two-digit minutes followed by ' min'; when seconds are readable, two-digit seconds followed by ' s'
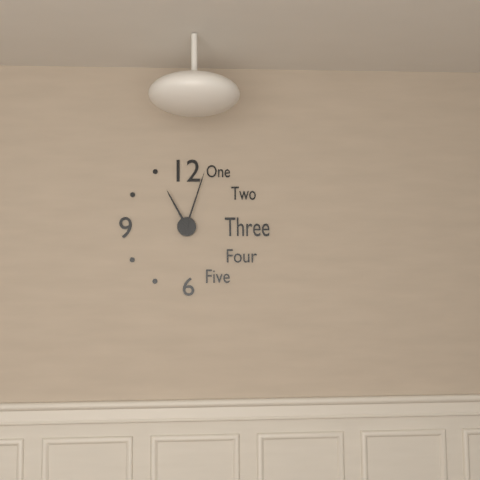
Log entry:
11 h 03 min
